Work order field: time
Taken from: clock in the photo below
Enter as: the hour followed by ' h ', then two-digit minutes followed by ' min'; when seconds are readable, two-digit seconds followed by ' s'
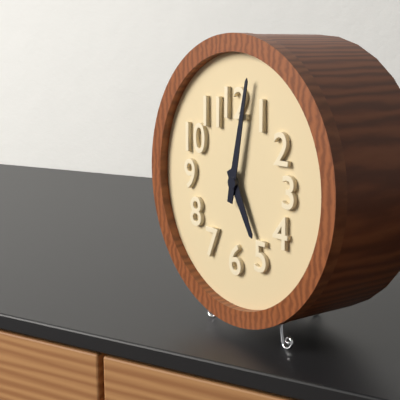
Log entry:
5 h 02 min
